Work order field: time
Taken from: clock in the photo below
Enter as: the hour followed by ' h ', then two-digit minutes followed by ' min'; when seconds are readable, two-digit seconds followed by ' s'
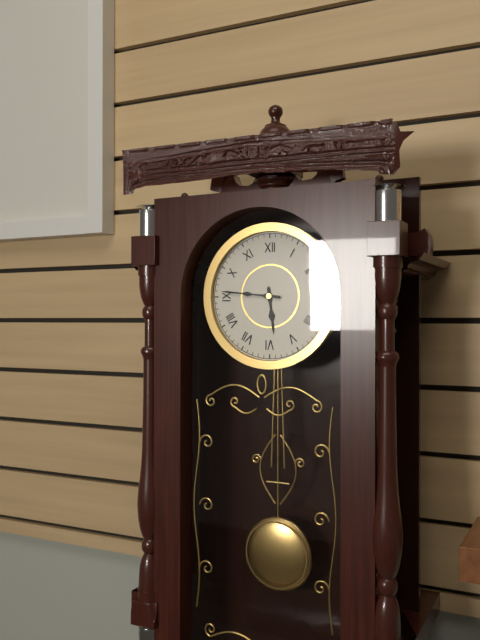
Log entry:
5 h 46 min
